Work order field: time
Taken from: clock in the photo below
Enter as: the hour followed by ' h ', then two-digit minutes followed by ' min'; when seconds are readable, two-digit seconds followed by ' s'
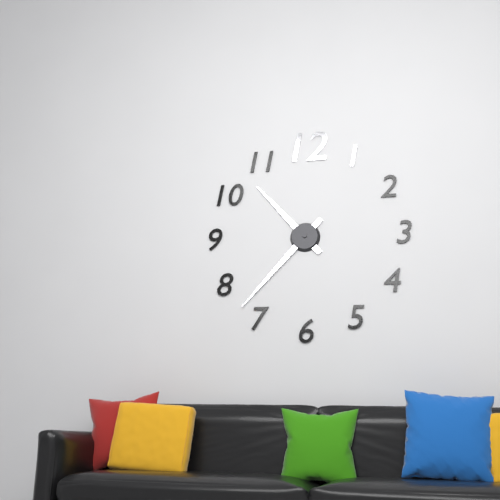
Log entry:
10 h 37 min
